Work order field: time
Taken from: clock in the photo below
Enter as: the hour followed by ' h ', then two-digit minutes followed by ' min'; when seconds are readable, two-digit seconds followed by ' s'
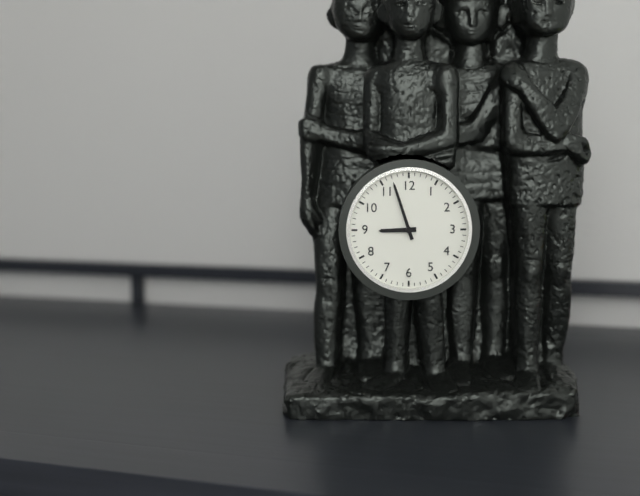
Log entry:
8 h 57 min
